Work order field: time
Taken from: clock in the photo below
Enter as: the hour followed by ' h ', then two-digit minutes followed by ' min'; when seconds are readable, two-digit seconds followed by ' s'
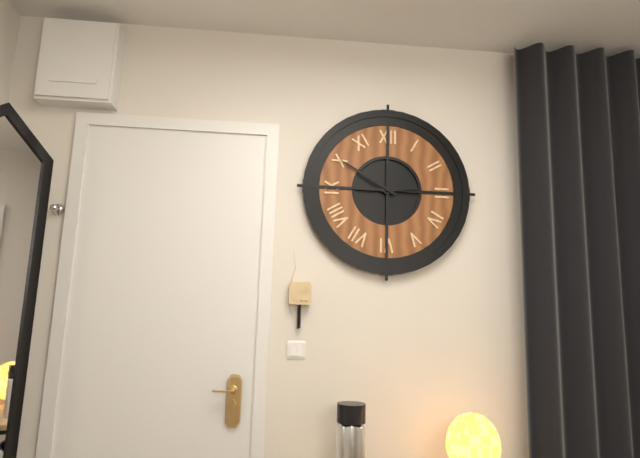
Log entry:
2 h 50 min
